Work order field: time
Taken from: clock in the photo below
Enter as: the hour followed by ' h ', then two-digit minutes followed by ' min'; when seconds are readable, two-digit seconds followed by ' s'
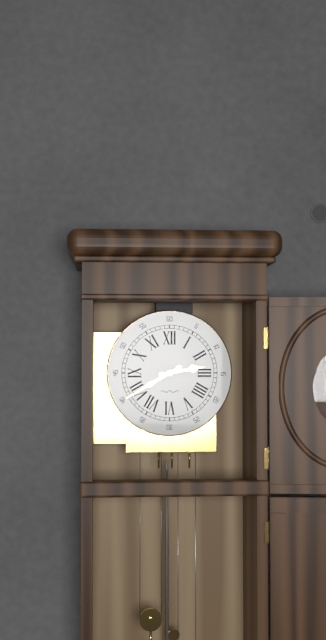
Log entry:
2 h 40 min
